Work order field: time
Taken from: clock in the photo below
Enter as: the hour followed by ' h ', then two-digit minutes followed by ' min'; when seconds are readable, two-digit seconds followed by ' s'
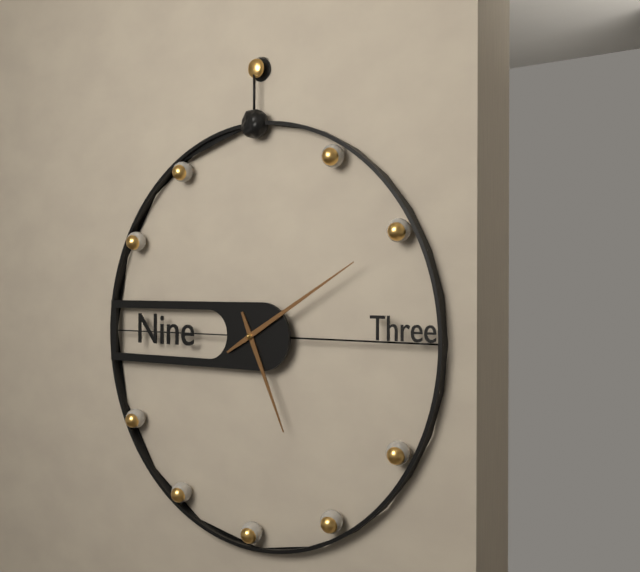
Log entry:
5 h 10 min
